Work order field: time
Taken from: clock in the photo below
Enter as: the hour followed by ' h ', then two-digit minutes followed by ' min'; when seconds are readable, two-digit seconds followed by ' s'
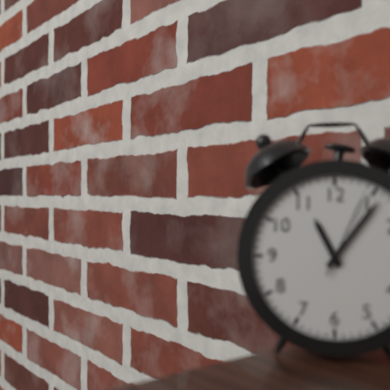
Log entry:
11 h 06 min 04 s
